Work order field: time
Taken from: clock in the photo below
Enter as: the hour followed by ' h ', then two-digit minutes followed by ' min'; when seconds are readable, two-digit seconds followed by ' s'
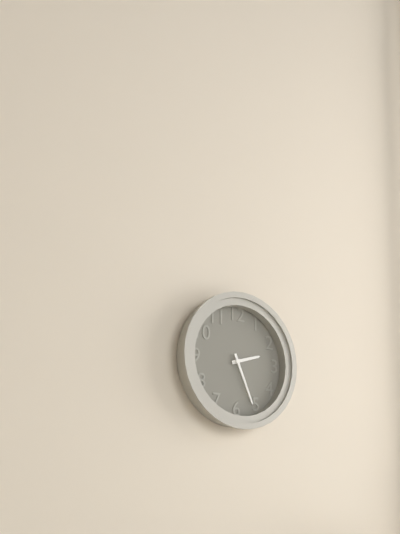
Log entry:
2 h 26 min
